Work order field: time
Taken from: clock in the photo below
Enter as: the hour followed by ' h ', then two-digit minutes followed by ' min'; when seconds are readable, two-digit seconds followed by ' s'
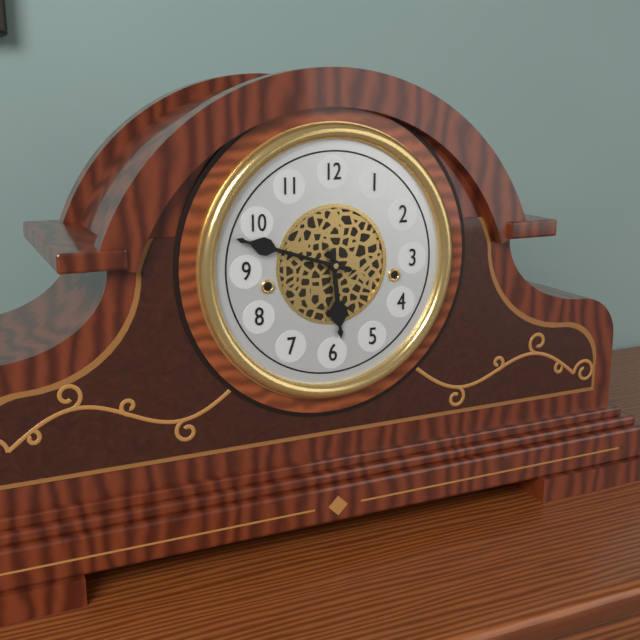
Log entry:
5 h 48 min
